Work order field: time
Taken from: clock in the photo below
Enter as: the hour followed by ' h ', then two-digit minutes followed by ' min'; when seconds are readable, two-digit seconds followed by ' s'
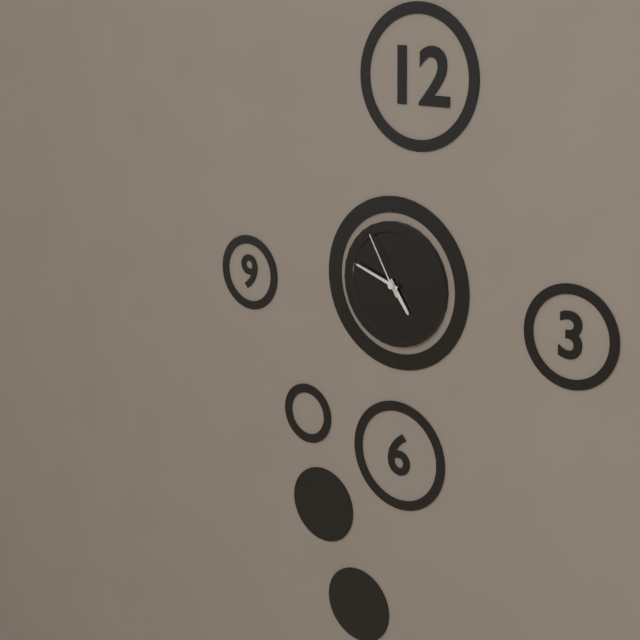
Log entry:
4 h 48 min 55 s
